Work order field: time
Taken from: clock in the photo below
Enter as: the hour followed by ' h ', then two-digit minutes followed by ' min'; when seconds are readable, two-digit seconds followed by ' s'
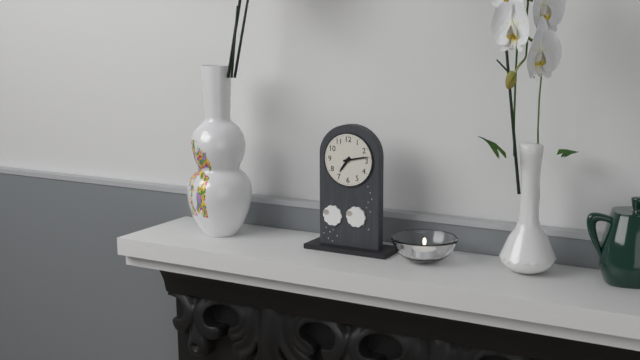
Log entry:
7 h 13 min
